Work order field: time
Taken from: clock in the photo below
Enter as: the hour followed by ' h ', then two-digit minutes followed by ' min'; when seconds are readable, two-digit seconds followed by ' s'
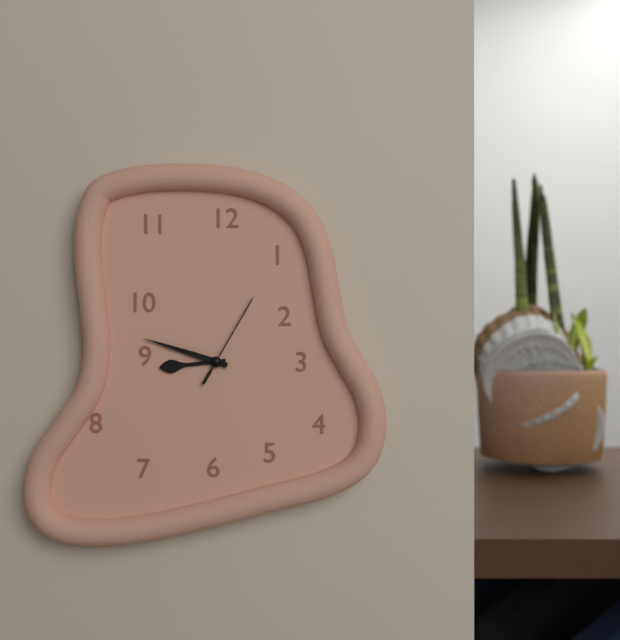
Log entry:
8 h 48 min 05 s
